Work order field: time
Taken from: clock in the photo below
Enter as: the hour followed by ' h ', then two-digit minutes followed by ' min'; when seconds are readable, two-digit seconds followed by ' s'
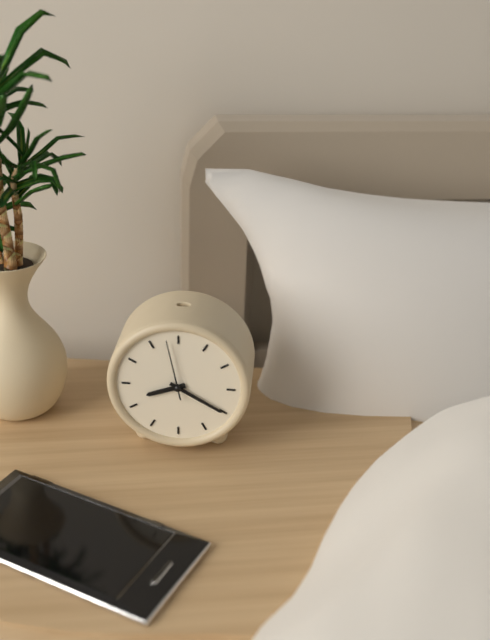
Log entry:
8 h 20 min
